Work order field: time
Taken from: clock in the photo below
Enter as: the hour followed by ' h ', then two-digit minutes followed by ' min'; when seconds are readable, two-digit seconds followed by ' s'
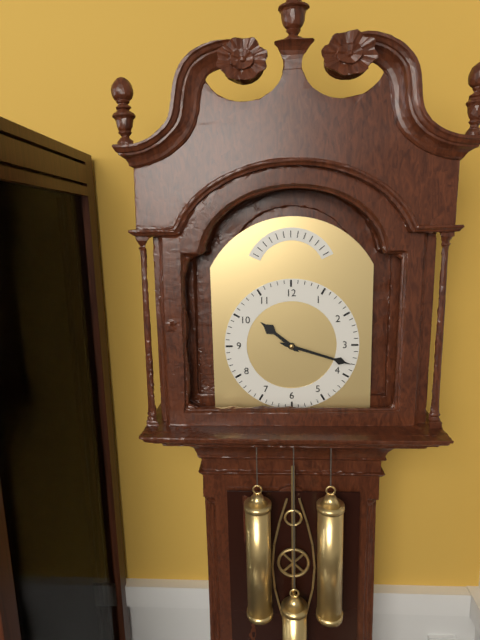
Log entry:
10 h 18 min
